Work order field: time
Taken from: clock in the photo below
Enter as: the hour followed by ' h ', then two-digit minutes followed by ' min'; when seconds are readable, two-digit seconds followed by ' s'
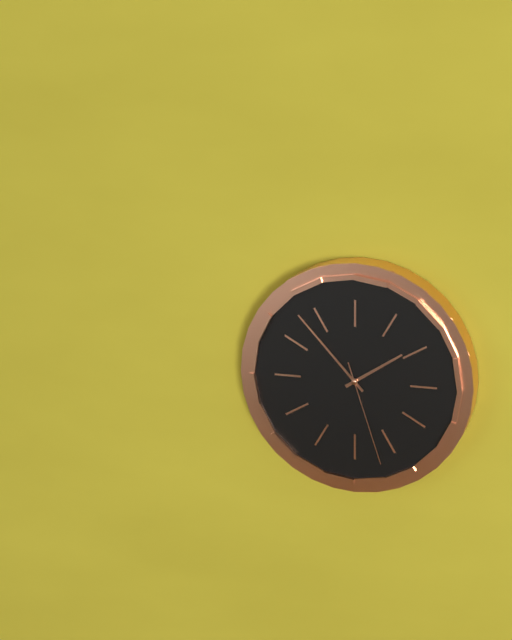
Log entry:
1 h 53 min 27 s
